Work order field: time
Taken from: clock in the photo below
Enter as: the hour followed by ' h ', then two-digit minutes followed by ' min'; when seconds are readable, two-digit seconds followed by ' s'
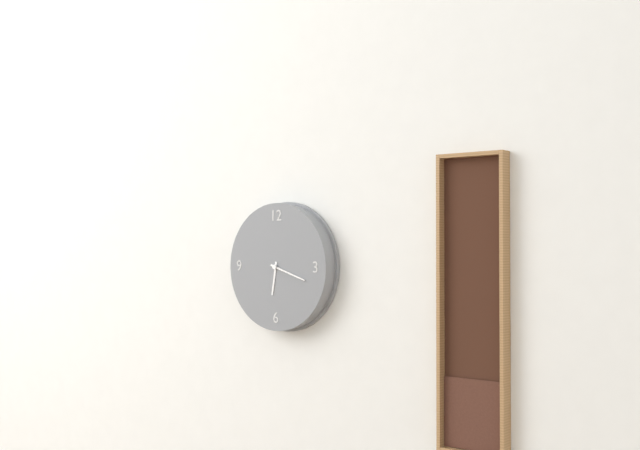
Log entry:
6 h 18 min
